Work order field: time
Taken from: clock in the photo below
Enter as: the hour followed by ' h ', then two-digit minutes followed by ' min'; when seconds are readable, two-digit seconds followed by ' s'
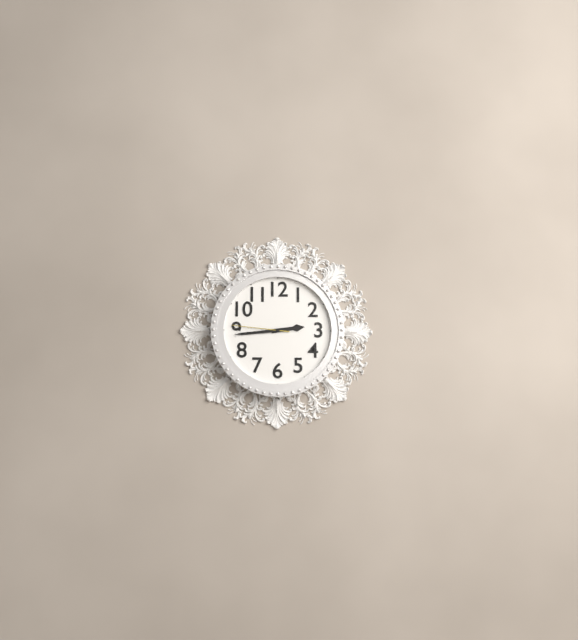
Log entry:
2 h 44 min 46 s
